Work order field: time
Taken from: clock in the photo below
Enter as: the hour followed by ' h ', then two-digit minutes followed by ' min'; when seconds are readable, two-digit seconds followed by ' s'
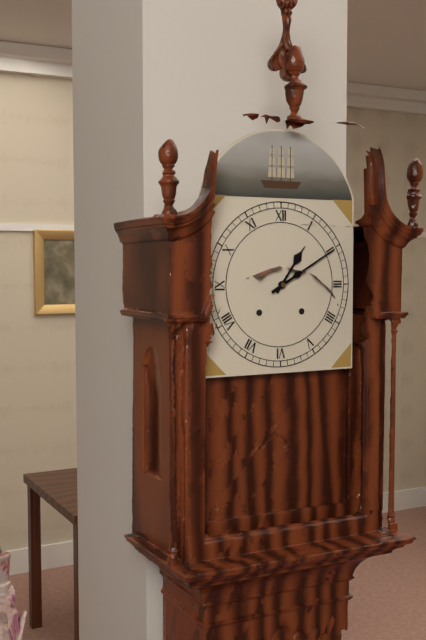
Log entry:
1 h 10 min
